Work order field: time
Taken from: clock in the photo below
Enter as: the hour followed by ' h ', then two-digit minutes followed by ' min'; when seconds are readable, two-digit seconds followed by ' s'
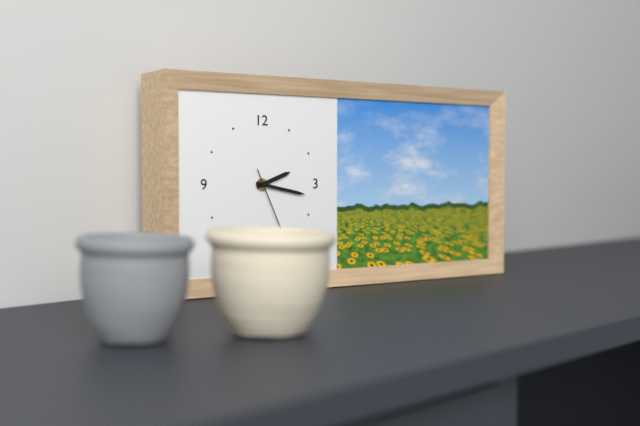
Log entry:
2 h 17 min 26 s
